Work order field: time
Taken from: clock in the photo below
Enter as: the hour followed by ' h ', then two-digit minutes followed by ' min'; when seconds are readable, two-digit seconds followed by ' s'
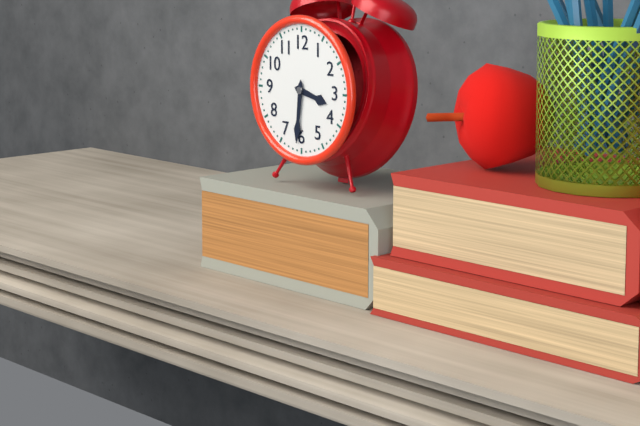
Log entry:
3 h 31 min
